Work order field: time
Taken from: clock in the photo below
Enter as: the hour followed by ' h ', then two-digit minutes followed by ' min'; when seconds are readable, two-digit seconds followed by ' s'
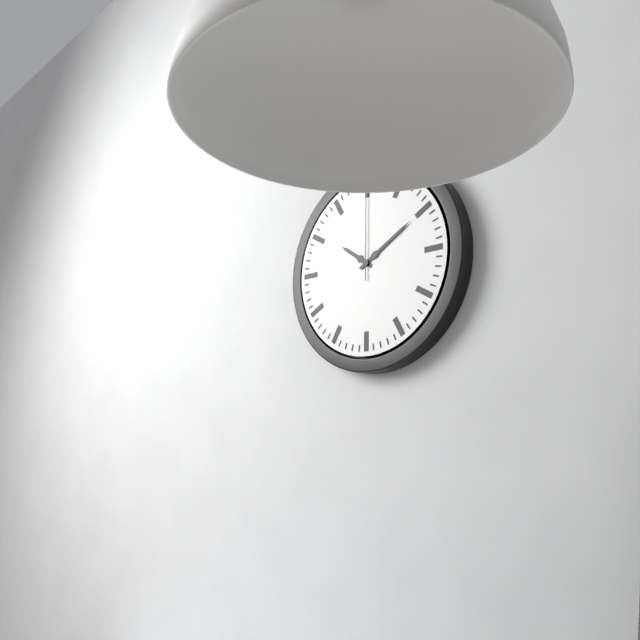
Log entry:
10 h 10 min 00 s
